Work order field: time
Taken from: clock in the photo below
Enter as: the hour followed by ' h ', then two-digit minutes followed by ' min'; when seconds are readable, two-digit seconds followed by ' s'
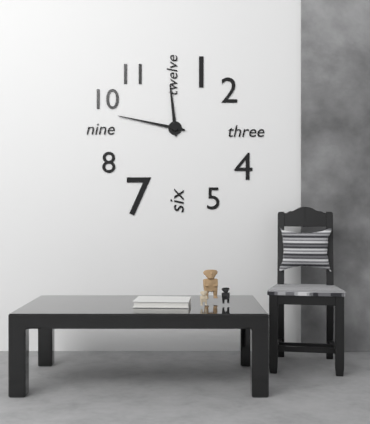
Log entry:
11 h 47 min
